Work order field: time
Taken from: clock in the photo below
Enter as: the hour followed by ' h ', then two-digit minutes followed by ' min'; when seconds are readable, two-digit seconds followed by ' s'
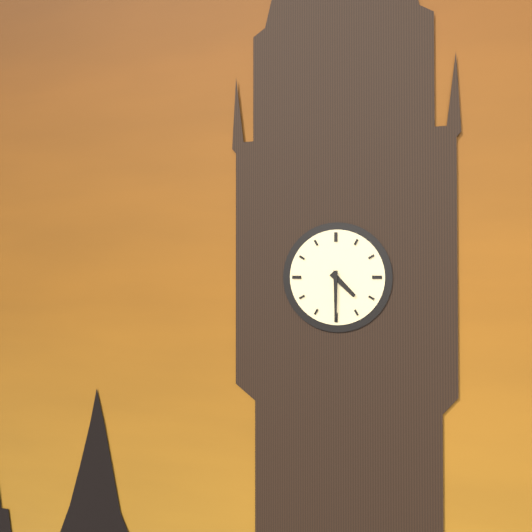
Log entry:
4 h 30 min
